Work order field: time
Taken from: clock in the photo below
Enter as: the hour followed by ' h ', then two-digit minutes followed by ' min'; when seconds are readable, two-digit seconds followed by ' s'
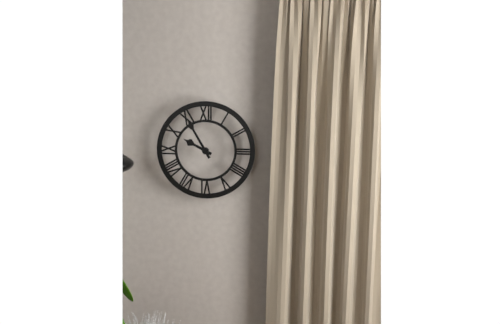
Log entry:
9 h 55 min
